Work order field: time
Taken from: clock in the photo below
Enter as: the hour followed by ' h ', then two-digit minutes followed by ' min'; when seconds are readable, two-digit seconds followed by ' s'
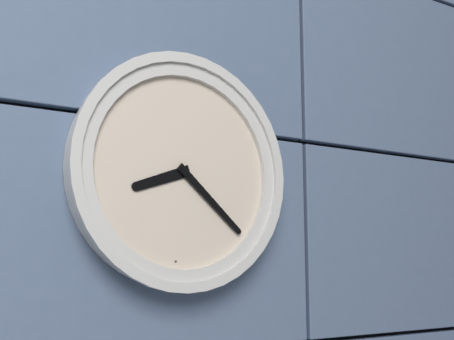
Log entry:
8 h 22 min
